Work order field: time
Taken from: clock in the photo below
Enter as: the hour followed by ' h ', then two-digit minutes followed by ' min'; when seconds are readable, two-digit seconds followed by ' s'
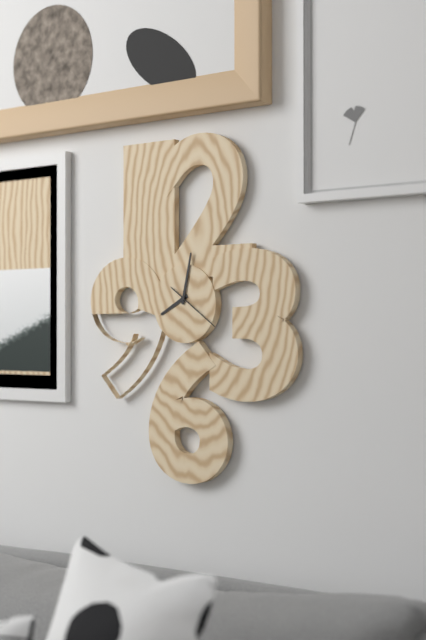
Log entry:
8 h 02 min 21 s
